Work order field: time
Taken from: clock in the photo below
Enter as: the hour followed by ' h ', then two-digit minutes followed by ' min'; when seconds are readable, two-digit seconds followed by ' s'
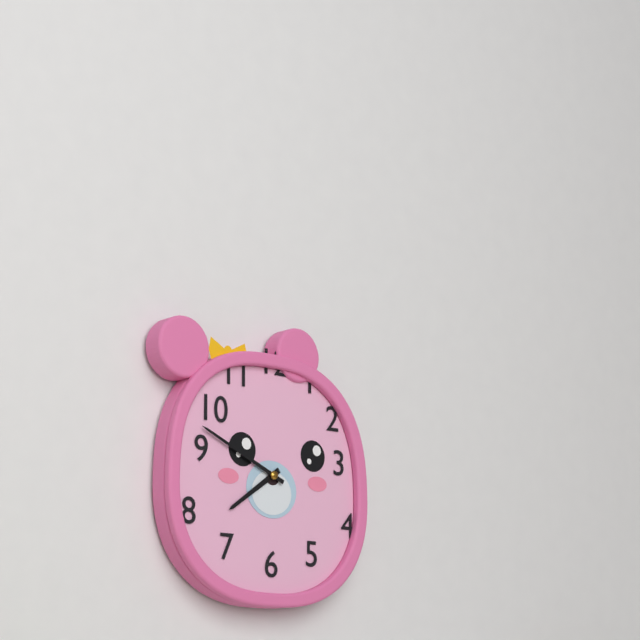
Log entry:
7 h 49 min
